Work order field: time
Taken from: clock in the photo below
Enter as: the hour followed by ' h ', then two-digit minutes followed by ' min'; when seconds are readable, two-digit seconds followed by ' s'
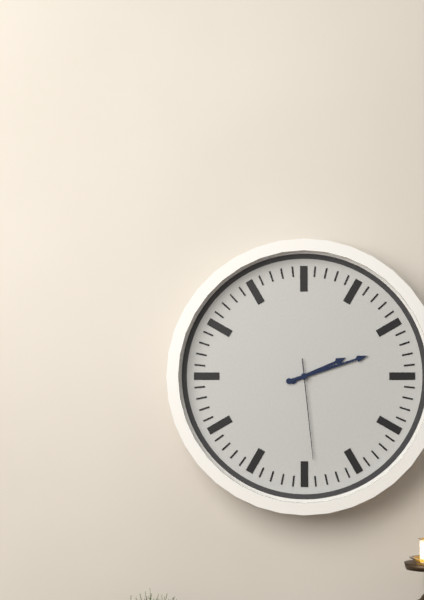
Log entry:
2 h 12 min 29 s
